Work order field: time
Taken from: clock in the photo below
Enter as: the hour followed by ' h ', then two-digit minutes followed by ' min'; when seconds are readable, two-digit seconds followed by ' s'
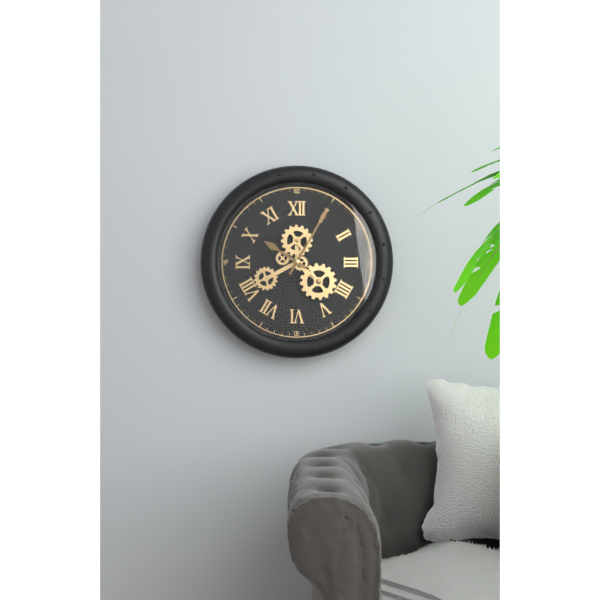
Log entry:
10 h 05 min
